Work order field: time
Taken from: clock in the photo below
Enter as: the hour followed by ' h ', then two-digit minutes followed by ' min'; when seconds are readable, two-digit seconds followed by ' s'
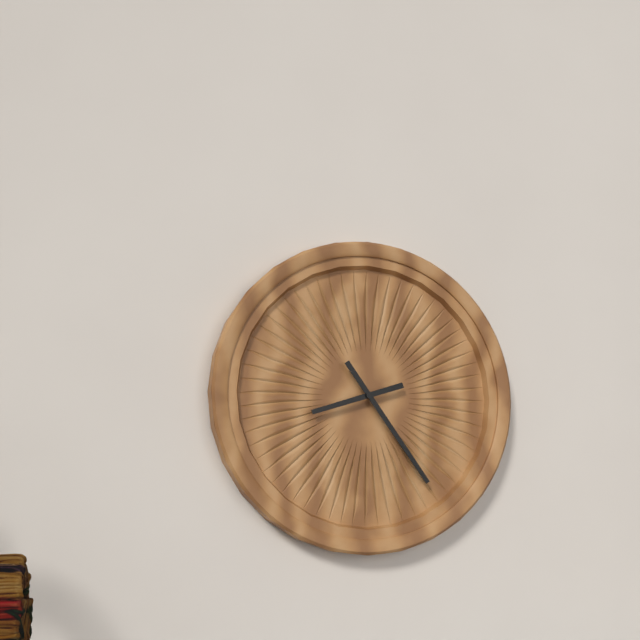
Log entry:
8 h 24 min
